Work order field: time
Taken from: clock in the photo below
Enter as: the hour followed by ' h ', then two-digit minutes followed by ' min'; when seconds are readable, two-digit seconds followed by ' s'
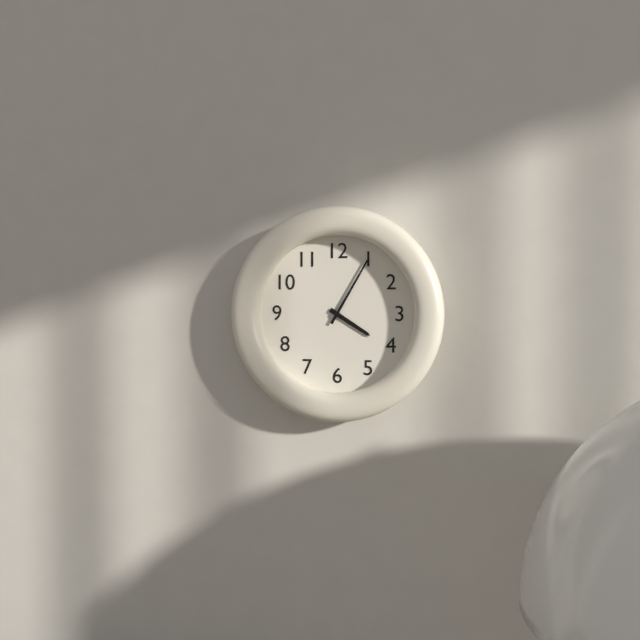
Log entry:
4 h 05 min
